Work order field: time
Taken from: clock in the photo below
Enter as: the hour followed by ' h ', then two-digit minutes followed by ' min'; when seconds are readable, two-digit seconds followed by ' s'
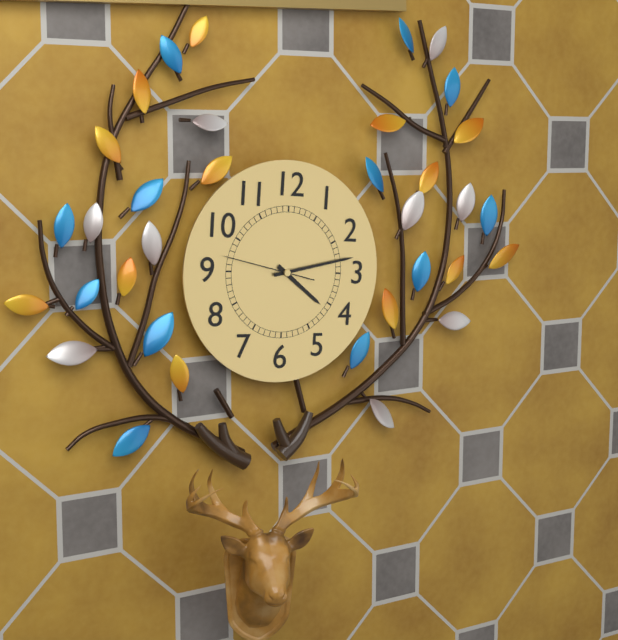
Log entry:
4 h 13 min 47 s
